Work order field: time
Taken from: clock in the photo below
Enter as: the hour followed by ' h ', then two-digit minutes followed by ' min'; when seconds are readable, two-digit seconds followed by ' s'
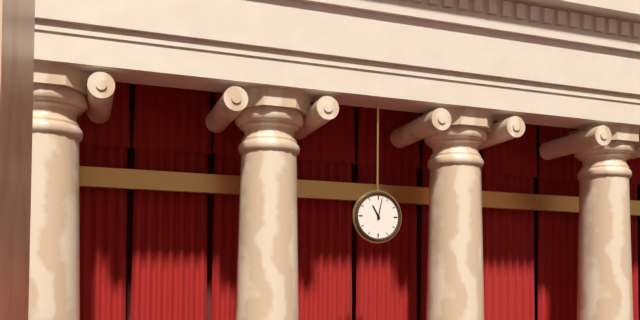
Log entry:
11 h 02 min
